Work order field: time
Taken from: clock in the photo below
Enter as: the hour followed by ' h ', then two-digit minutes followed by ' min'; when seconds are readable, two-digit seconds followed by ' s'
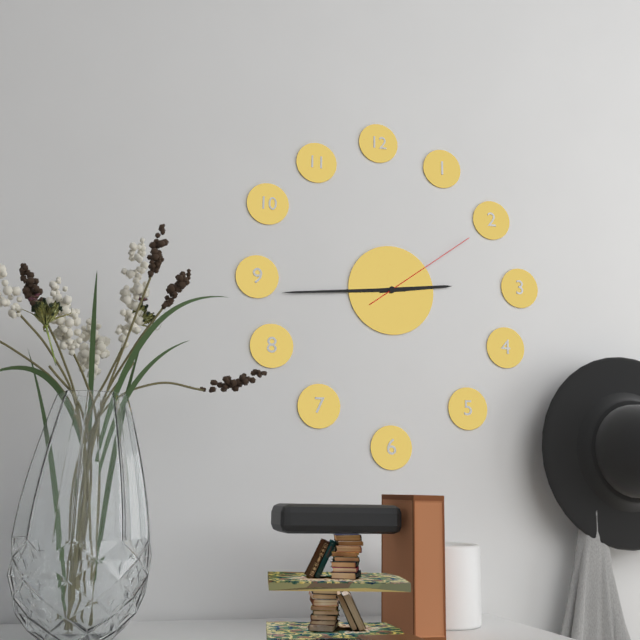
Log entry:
2 h 44 min 09 s
